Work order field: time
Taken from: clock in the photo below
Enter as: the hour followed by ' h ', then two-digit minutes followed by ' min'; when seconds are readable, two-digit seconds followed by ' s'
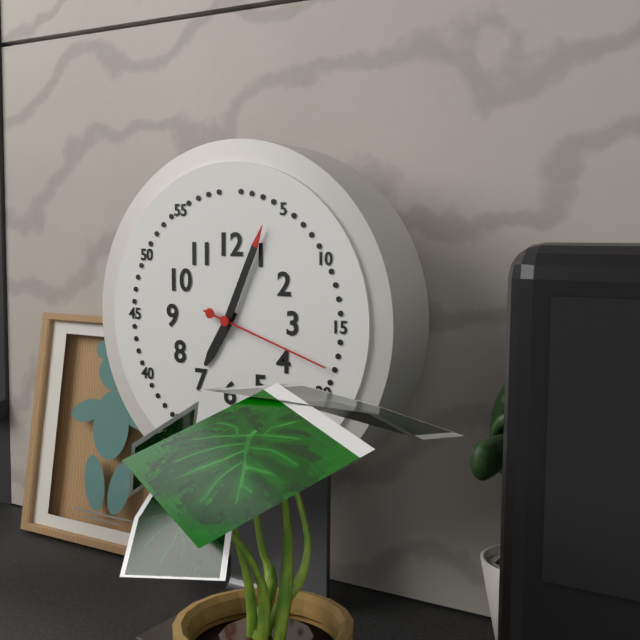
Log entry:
7 h 04 min 18 s
